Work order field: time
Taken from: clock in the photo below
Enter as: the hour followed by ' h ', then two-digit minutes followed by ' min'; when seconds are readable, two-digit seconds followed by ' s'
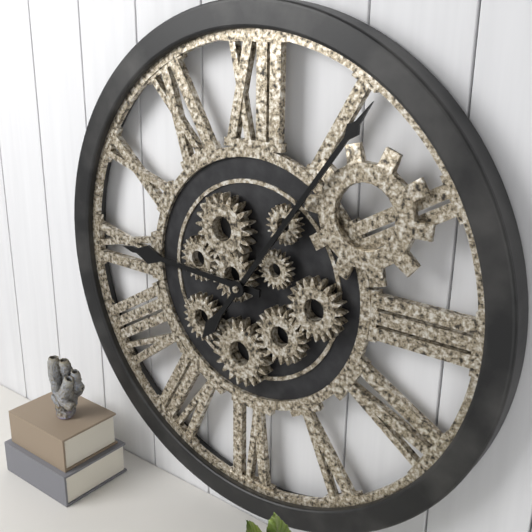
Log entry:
9 h 06 min
